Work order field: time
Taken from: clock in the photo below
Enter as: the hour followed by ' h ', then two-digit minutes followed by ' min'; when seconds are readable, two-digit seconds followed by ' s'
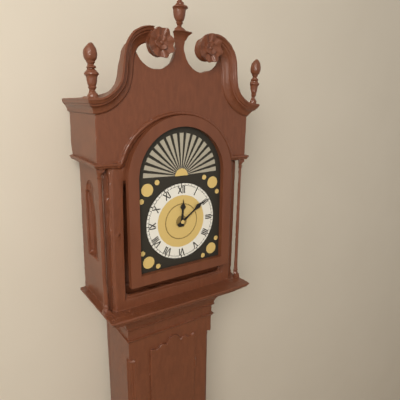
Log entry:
12 h 09 min
